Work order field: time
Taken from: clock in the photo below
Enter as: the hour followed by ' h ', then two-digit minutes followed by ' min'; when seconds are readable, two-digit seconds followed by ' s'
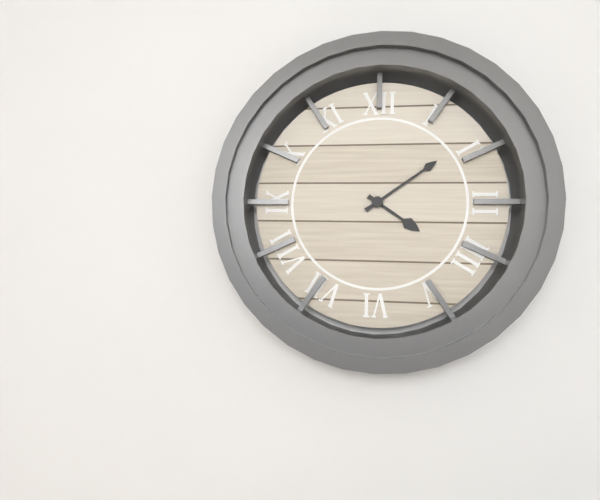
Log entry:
4 h 09 min
